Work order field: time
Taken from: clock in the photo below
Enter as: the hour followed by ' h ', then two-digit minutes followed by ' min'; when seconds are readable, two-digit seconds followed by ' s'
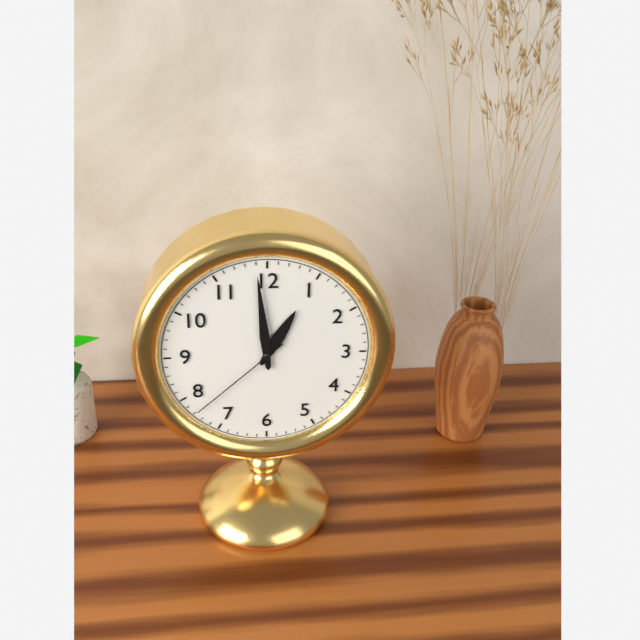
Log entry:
12 h 59 min 38 s
